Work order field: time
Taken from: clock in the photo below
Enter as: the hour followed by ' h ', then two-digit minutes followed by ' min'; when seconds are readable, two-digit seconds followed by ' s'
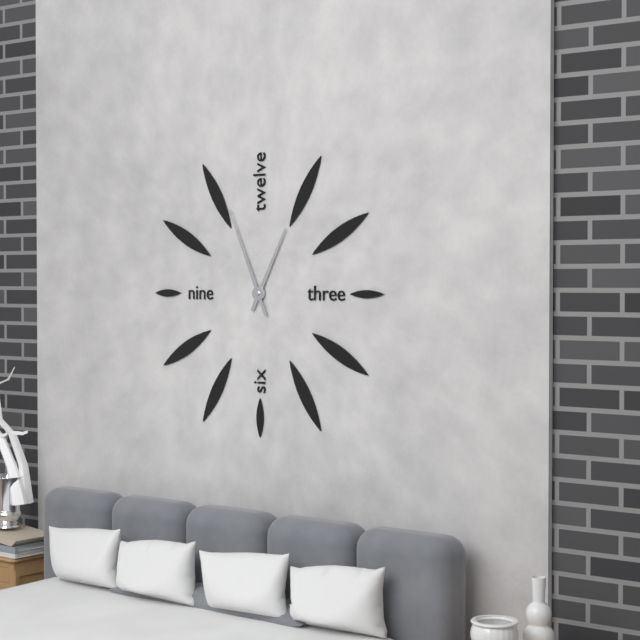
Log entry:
12 h 56 min
